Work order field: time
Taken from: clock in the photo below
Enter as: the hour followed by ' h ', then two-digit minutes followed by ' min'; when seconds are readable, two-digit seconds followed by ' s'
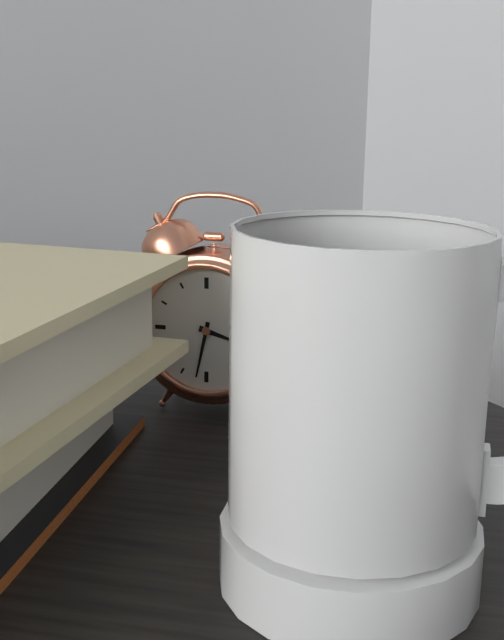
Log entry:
3 h 32 min
